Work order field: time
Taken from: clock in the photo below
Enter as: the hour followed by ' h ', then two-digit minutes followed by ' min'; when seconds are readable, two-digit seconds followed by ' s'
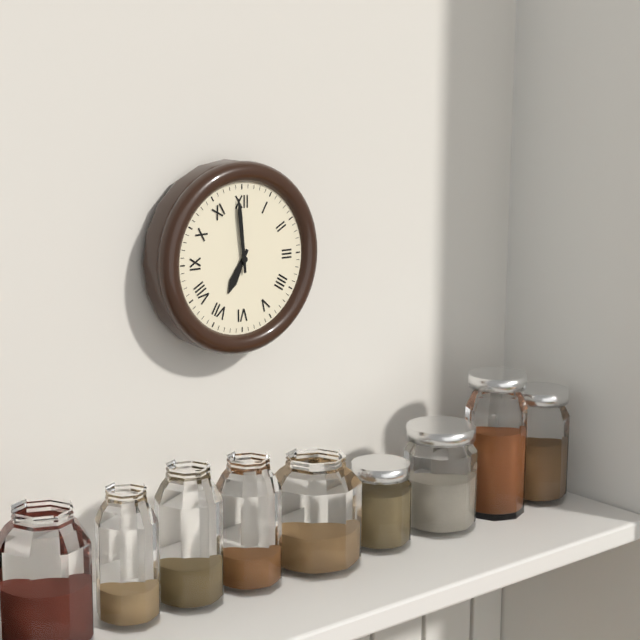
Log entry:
6 h 59 min
